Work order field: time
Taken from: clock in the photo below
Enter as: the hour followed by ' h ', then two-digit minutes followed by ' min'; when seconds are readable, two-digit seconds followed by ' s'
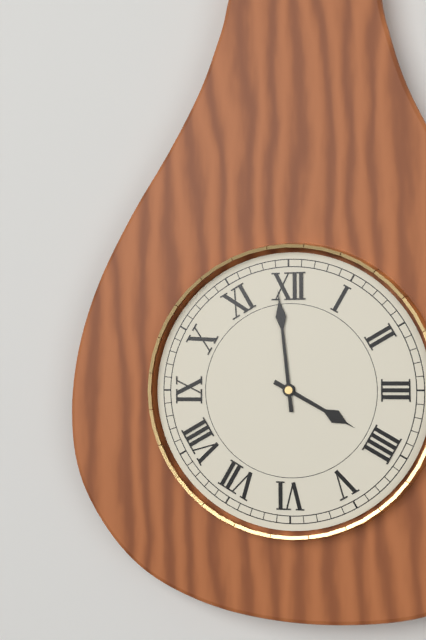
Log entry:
3 h 59 min
